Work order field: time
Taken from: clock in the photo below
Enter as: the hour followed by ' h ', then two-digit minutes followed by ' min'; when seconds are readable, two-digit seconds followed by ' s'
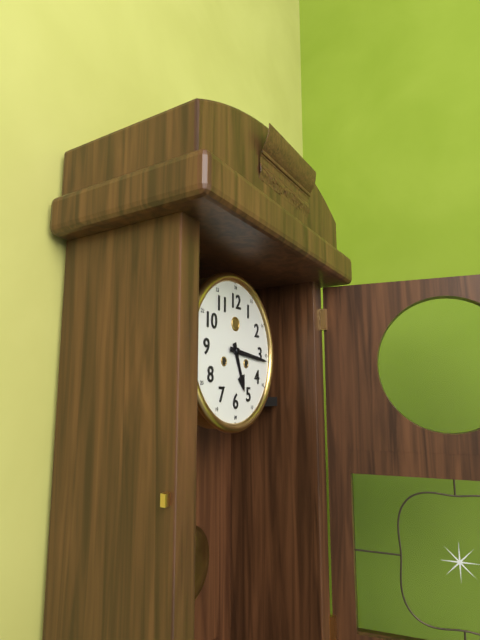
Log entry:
5 h 16 min
